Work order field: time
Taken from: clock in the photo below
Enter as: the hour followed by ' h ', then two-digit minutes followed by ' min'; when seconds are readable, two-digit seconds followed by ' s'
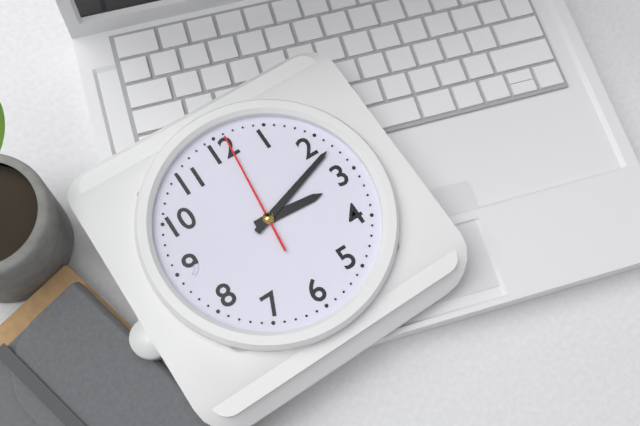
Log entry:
3 h 12 min 01 s
